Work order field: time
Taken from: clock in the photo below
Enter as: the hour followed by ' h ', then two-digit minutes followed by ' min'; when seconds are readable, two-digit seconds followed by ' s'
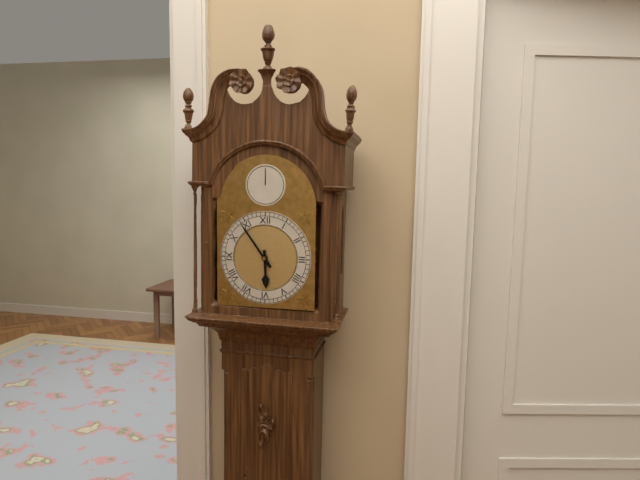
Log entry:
5 h 54 min
